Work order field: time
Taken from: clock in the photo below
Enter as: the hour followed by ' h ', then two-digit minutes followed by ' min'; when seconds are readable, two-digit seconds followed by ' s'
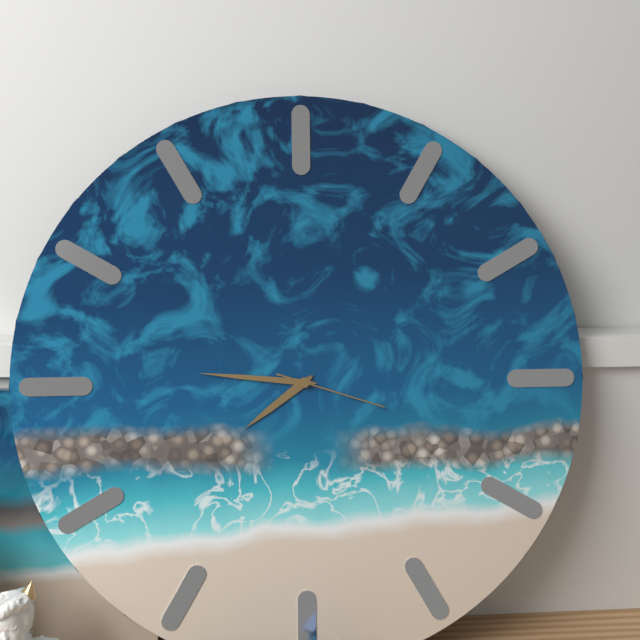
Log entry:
7 h 46 min 18 s
